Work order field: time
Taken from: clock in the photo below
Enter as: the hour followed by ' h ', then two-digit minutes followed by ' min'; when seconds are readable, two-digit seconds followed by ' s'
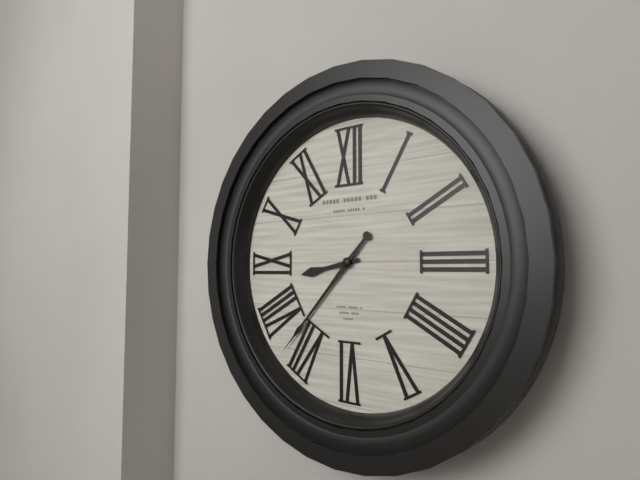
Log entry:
8 h 37 min
